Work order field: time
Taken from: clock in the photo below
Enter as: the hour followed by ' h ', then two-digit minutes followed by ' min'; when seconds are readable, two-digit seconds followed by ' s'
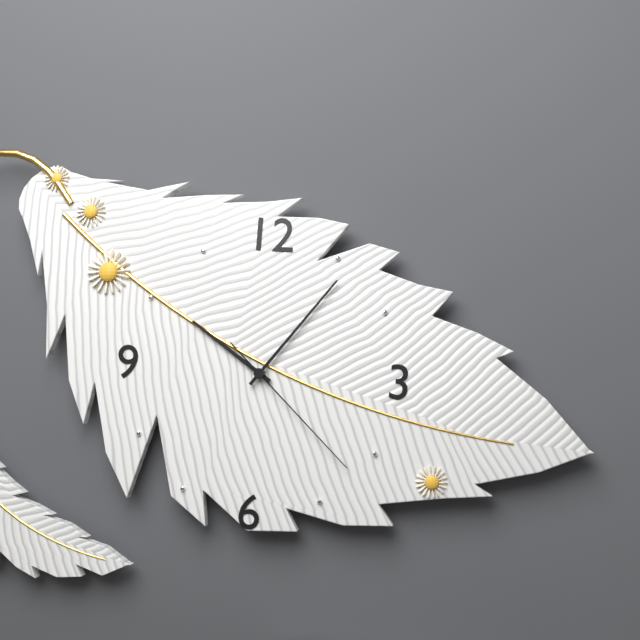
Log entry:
10 h 06 min 22 s
